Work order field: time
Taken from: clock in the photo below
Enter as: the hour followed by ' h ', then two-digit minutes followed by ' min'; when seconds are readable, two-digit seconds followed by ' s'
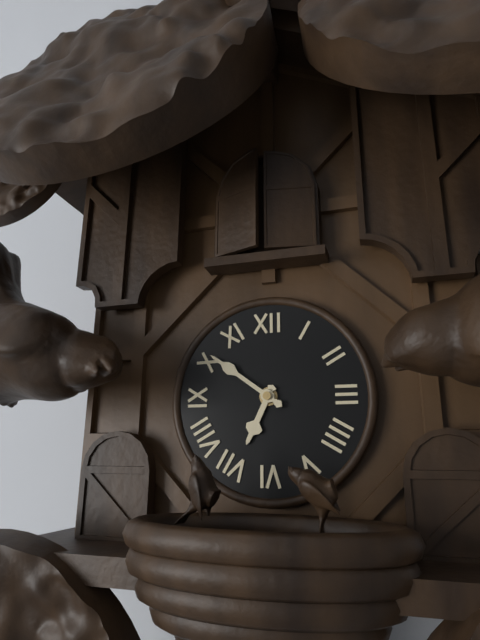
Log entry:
6 h 51 min
